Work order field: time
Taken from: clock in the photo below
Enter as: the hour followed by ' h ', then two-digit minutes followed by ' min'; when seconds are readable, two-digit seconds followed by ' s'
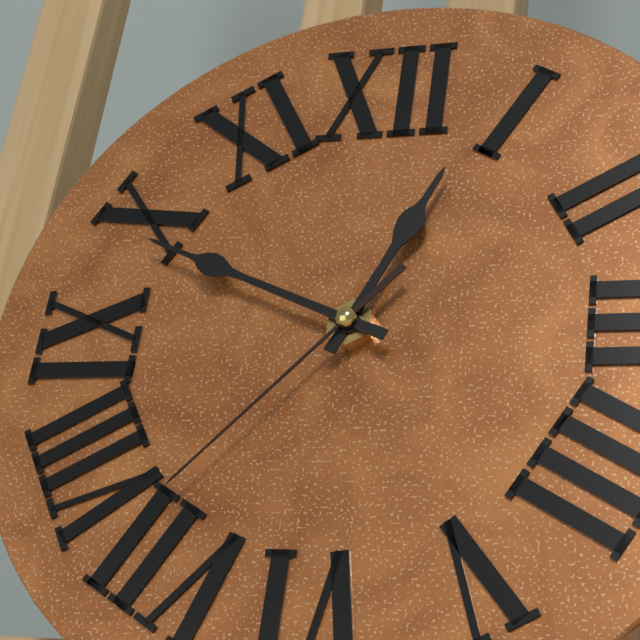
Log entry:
12 h 49 min 37 s
